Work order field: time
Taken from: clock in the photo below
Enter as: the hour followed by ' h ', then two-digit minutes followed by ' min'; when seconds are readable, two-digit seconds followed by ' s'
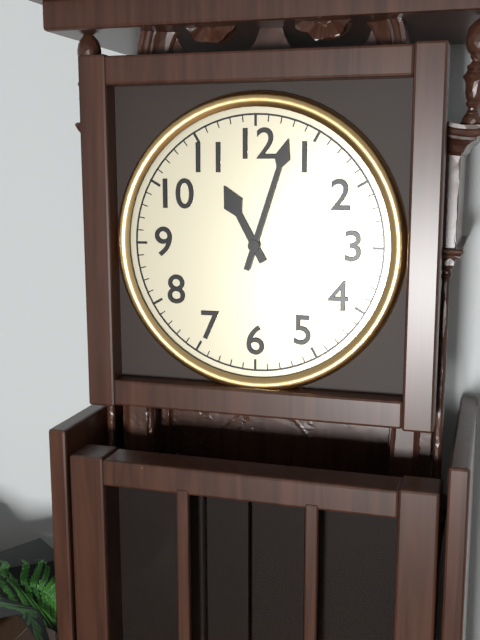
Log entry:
11 h 03 min
